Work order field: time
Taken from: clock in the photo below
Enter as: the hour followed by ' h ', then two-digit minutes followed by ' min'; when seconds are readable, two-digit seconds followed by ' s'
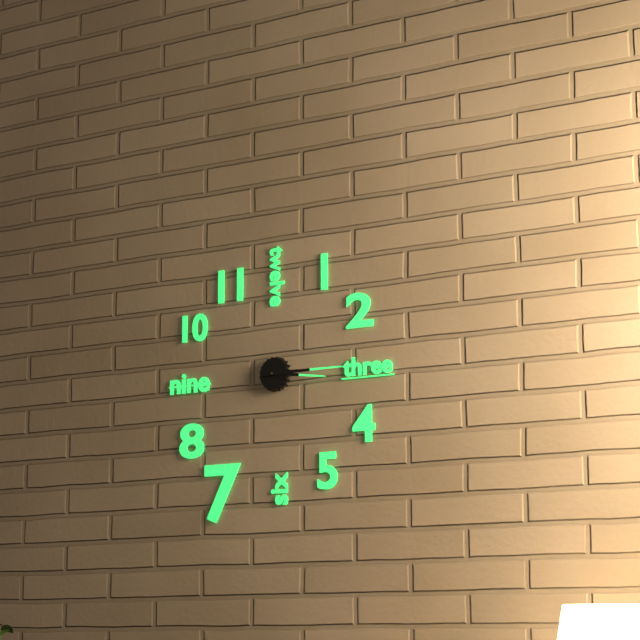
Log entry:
3 h 15 min
